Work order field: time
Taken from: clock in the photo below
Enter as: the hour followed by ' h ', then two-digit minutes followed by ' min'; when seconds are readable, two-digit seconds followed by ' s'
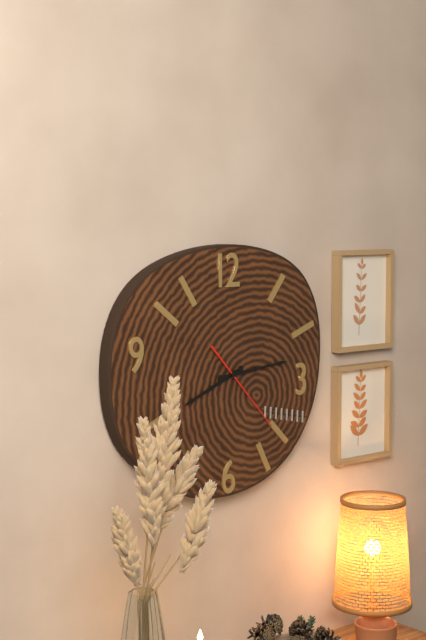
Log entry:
8 h 14 min 23 s
